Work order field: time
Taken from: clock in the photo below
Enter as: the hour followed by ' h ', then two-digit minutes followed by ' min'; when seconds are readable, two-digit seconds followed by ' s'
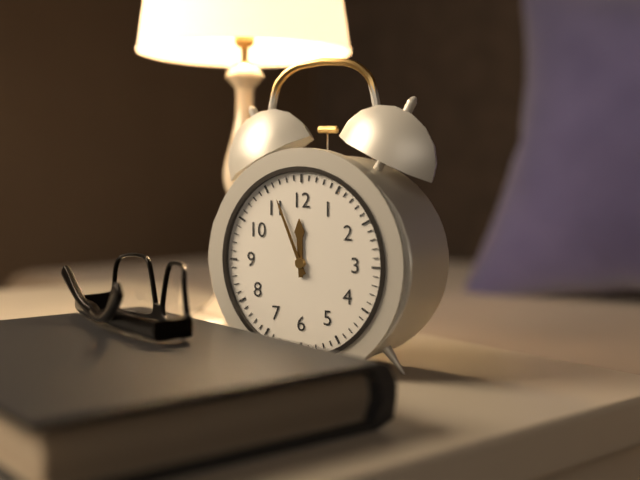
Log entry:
11 h 56 min
